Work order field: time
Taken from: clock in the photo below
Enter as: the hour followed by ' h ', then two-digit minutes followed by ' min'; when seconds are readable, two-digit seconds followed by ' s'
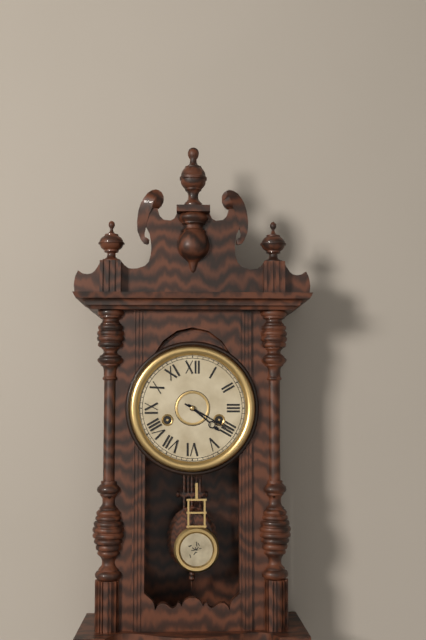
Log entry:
4 h 20 min
